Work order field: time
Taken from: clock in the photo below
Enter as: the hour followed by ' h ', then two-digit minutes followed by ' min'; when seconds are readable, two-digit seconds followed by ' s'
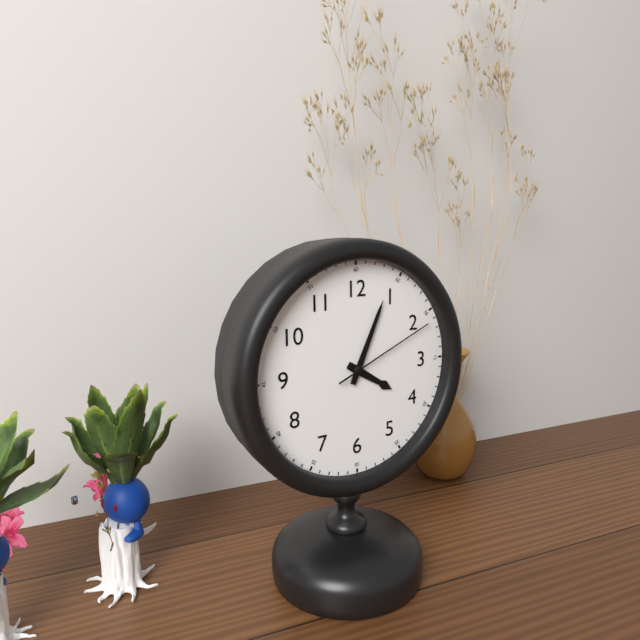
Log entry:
4 h 04 min 11 s
